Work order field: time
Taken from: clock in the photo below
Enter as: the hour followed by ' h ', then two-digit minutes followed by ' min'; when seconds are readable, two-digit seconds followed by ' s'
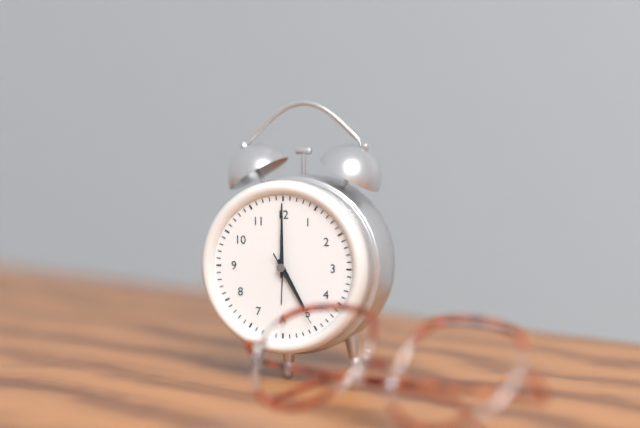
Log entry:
5 h 00 min 25 s
